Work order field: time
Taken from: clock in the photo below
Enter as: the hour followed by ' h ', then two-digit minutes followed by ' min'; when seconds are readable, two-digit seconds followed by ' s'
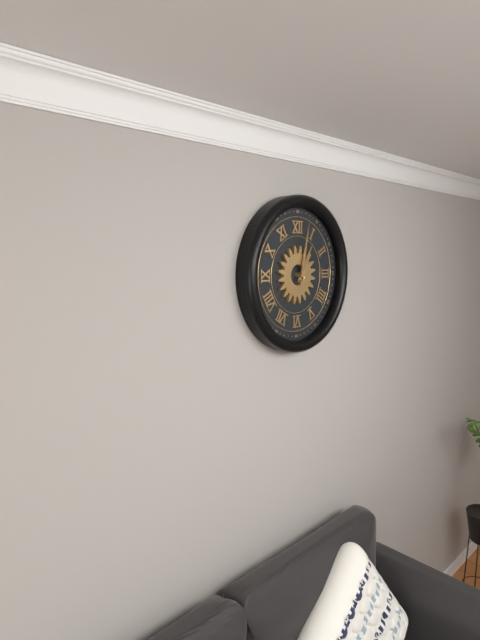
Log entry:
1 h 02 min
